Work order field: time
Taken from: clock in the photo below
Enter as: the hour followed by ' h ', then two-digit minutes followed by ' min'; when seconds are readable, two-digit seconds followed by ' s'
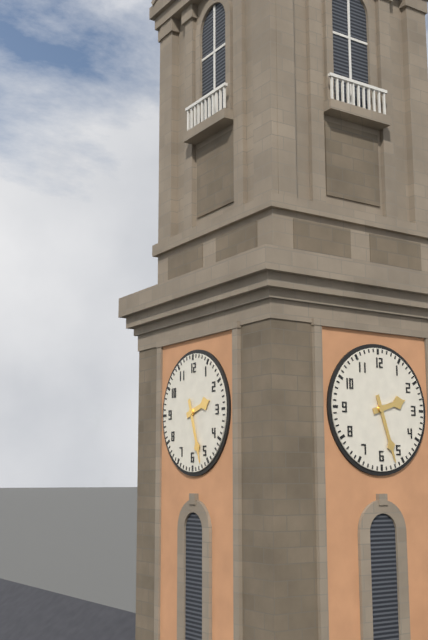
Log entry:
2 h 27 min
